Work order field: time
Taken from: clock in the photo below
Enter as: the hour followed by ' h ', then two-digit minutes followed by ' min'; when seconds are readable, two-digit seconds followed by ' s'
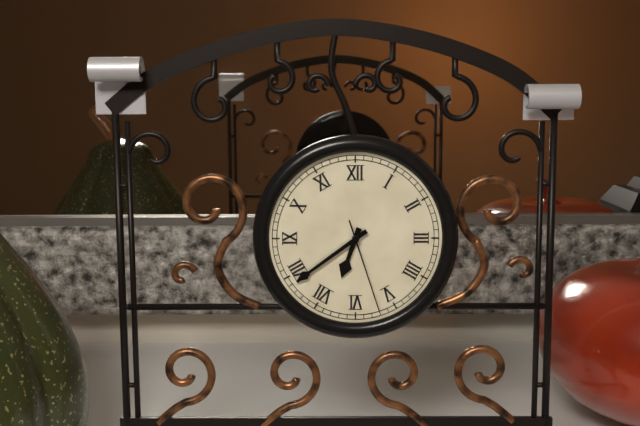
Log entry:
6 h 39 min 27 s
